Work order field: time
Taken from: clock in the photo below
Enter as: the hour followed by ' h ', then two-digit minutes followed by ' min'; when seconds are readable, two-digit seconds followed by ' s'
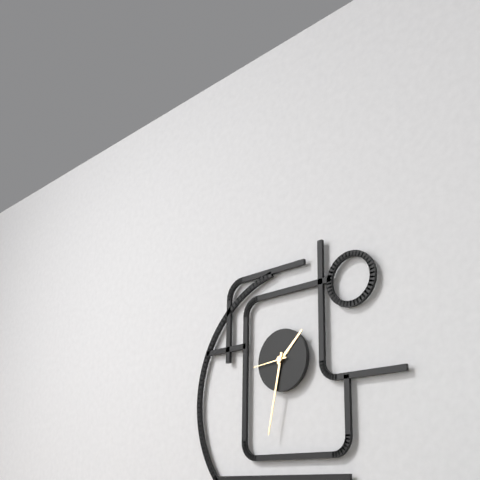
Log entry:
1 h 32 min
